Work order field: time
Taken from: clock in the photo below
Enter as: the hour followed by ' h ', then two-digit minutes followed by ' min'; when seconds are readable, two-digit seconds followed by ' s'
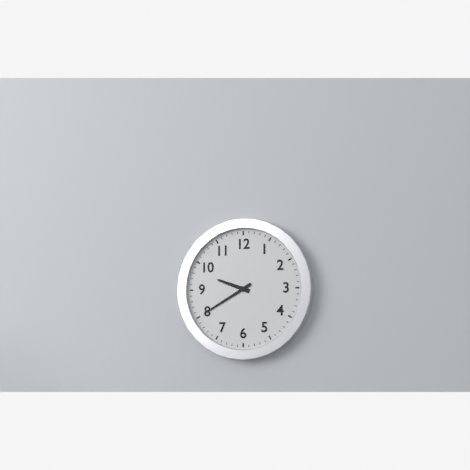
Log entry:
9 h 40 min
